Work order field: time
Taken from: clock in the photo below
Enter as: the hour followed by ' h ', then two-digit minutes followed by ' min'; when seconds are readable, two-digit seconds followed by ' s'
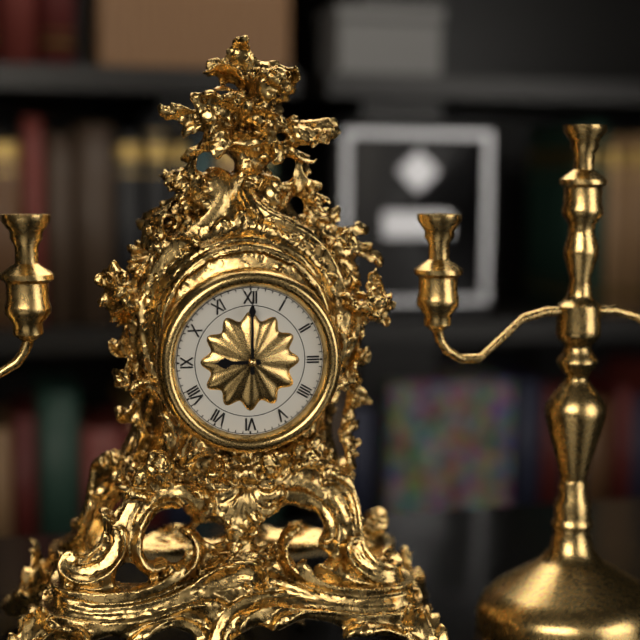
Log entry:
9 h 00 min
